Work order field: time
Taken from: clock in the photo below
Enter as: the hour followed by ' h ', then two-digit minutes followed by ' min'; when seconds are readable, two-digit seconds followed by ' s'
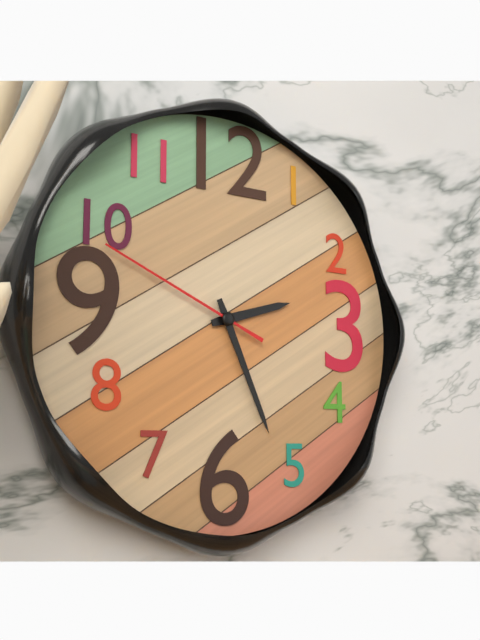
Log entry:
2 h 26 min 49 s
